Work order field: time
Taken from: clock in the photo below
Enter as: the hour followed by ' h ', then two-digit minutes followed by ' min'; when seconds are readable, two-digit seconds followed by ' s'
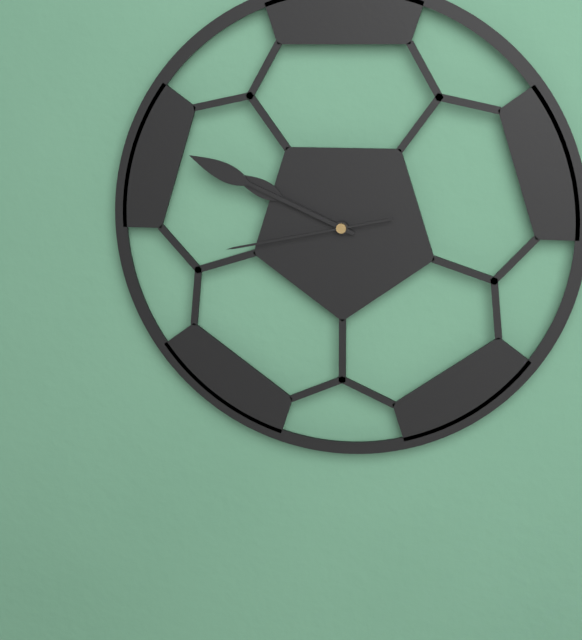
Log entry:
9 h 49 min 43 s
